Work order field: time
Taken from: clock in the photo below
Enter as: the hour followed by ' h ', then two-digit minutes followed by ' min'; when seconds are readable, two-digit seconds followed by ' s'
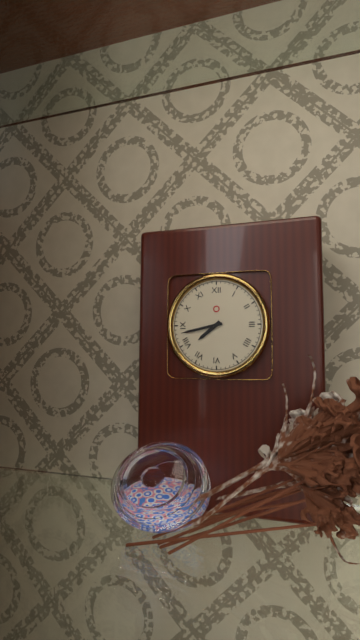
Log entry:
7 h 43 min
